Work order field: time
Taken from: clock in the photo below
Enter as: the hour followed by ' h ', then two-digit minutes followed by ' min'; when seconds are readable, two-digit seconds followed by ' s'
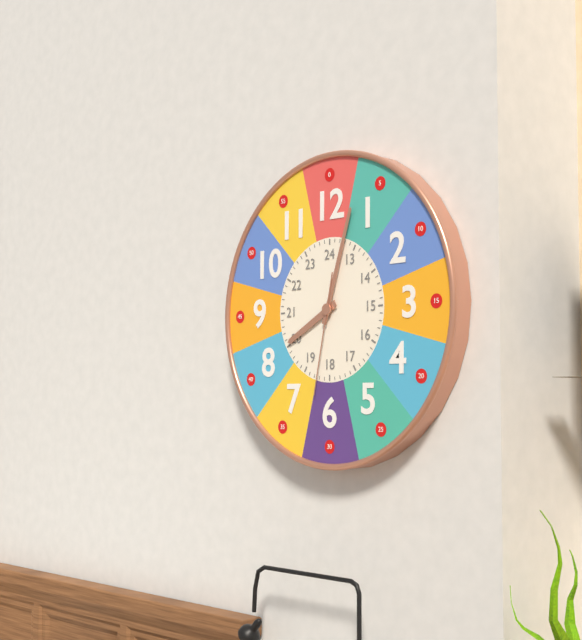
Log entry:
8 h 03 min 32 s
